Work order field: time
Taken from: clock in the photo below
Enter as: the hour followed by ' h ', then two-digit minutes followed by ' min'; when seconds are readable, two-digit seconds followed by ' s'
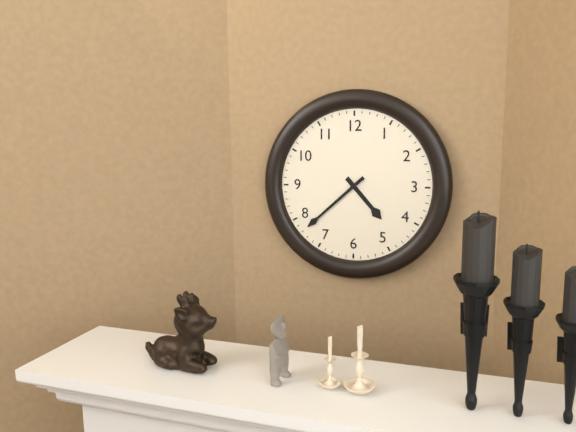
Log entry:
4 h 38 min
